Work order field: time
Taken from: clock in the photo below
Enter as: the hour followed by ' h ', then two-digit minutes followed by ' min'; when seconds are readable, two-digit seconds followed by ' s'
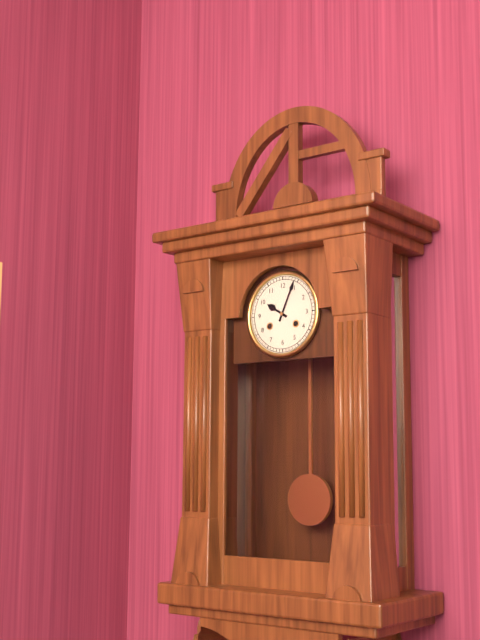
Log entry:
10 h 04 min
